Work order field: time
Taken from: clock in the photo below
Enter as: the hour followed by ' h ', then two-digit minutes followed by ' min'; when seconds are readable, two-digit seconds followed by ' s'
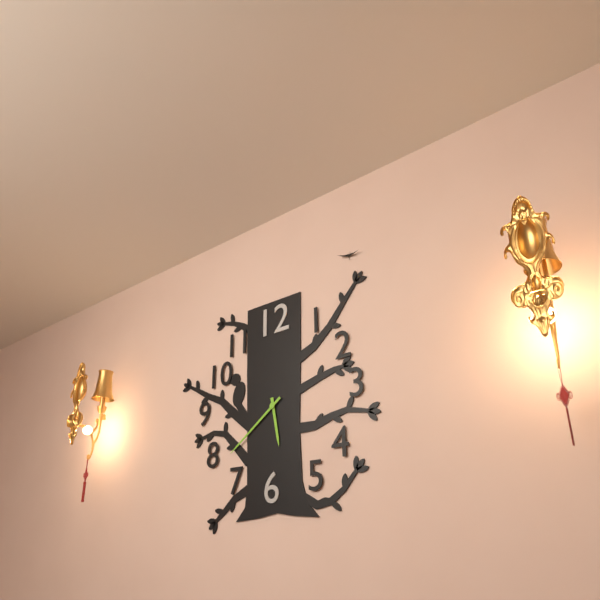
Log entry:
5 h 39 min
